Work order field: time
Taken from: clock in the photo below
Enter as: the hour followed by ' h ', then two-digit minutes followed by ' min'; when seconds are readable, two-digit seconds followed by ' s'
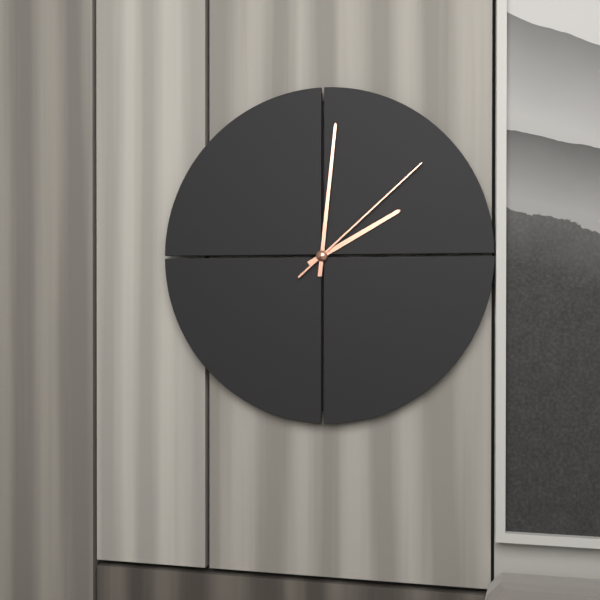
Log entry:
2 h 01 min 08 s
